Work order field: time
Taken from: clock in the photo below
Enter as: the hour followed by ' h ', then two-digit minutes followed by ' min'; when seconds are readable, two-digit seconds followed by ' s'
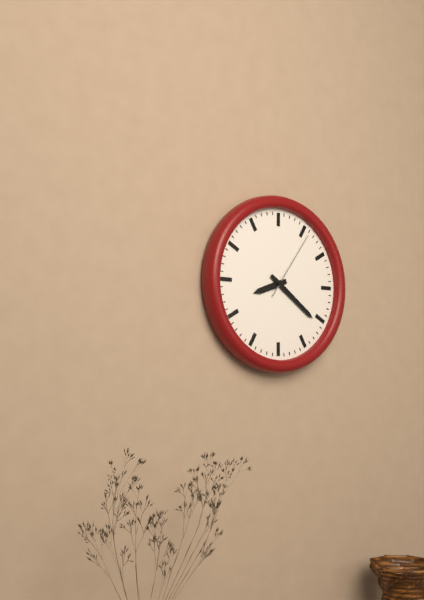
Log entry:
8 h 21 min 06 s
